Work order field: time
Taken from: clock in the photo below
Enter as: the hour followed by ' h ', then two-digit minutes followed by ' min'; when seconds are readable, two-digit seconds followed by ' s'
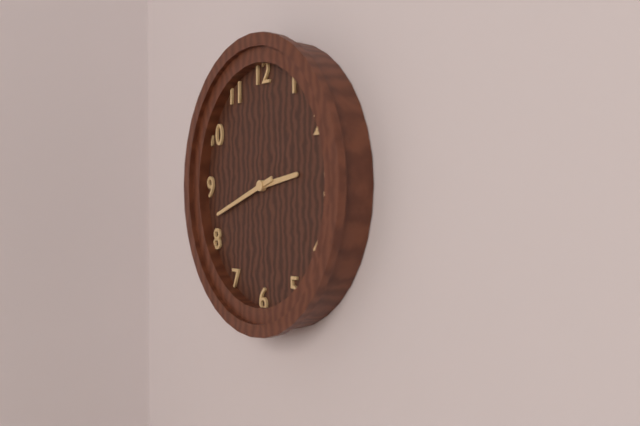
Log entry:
2 h 42 min
